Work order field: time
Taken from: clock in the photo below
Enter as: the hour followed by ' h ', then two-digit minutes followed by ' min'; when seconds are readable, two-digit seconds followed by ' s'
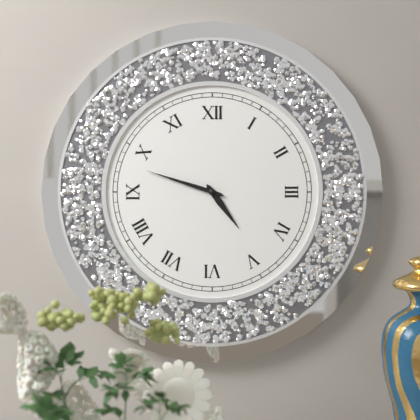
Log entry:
4 h 48 min
